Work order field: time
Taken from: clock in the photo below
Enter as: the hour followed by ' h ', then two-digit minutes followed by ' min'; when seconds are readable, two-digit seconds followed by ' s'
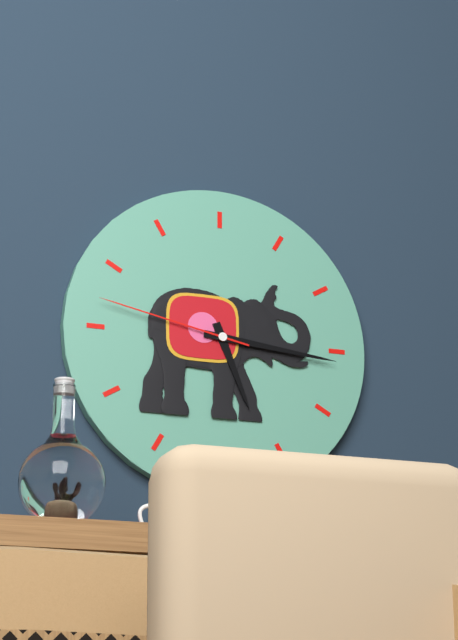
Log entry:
5 h 16 min 47 s
